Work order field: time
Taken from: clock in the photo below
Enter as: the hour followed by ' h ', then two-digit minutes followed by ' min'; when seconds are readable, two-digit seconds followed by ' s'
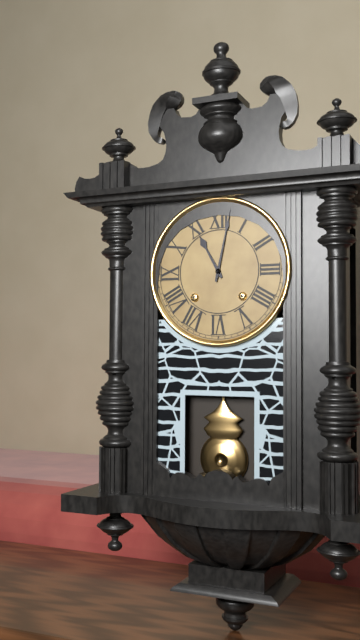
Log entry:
11 h 02 min
